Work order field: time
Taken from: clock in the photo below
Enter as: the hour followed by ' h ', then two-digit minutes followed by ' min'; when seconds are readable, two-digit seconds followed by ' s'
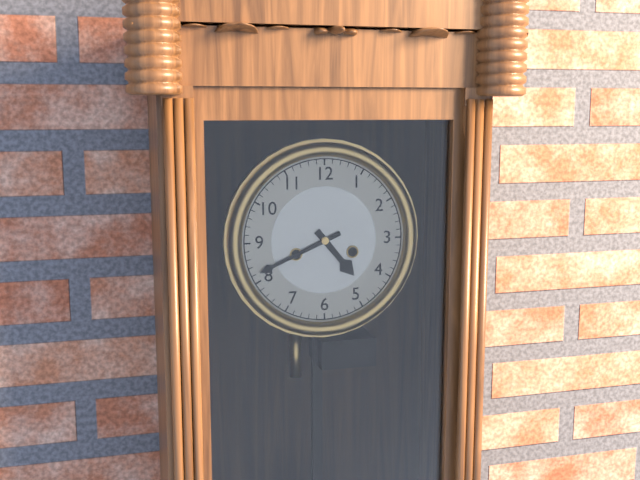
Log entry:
4 h 41 min
